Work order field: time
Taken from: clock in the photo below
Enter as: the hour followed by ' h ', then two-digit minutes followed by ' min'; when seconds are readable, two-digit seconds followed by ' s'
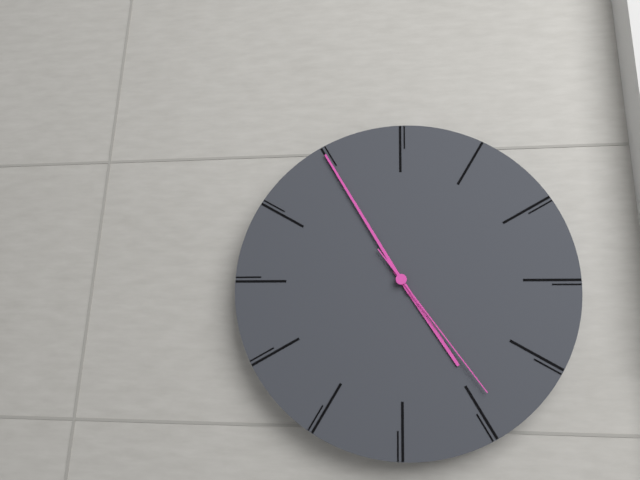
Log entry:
4 h 55 min 24 s
